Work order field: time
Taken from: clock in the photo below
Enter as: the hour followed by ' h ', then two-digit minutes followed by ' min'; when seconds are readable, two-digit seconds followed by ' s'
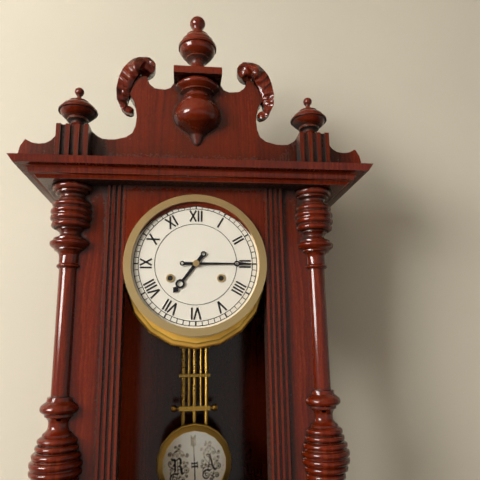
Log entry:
7 h 15 min
